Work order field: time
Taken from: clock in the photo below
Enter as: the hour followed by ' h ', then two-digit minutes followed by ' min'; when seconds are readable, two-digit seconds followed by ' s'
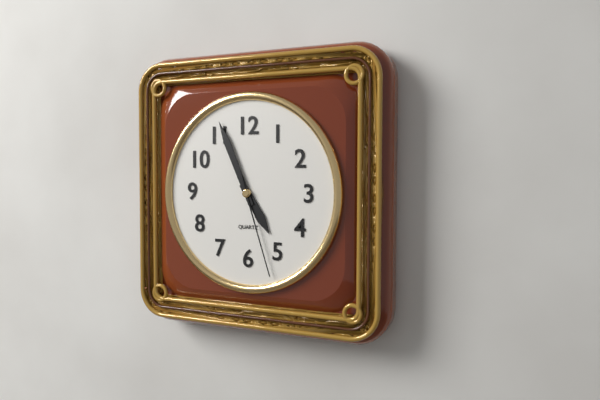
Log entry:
4 h 56 min 27 s
